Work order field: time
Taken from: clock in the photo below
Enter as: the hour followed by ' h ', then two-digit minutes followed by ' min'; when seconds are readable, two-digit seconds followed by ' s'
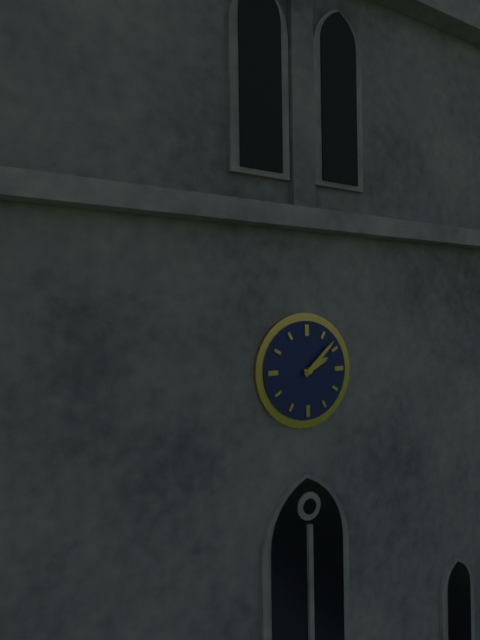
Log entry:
2 h 08 min
